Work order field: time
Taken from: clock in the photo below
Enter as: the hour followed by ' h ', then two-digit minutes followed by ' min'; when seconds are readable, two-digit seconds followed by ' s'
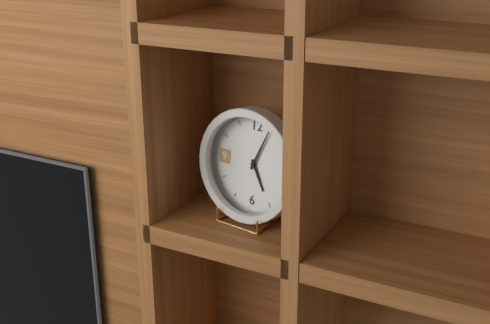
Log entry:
5 h 04 min
